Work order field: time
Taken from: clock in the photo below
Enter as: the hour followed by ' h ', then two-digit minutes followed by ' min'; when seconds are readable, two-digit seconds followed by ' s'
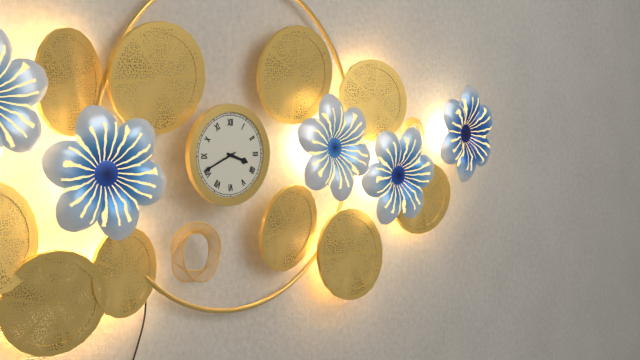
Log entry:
3 h 41 min
